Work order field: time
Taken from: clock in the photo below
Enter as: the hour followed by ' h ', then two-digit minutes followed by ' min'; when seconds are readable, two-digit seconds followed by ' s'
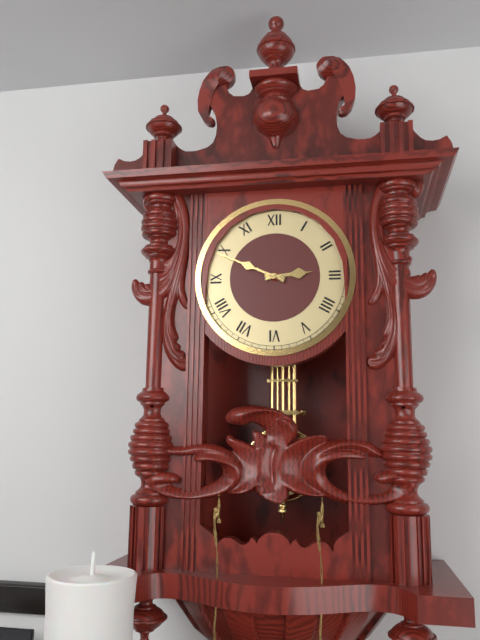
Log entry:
2 h 49 min
